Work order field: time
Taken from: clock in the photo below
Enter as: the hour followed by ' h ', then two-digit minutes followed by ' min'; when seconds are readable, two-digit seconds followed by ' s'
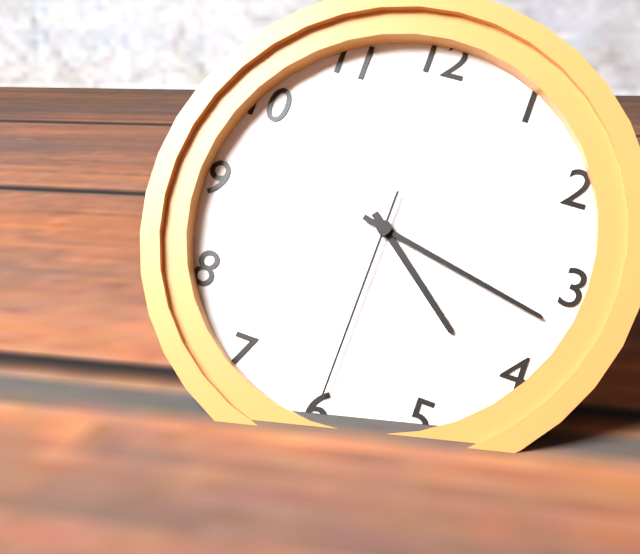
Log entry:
4 h 17 min 30 s
